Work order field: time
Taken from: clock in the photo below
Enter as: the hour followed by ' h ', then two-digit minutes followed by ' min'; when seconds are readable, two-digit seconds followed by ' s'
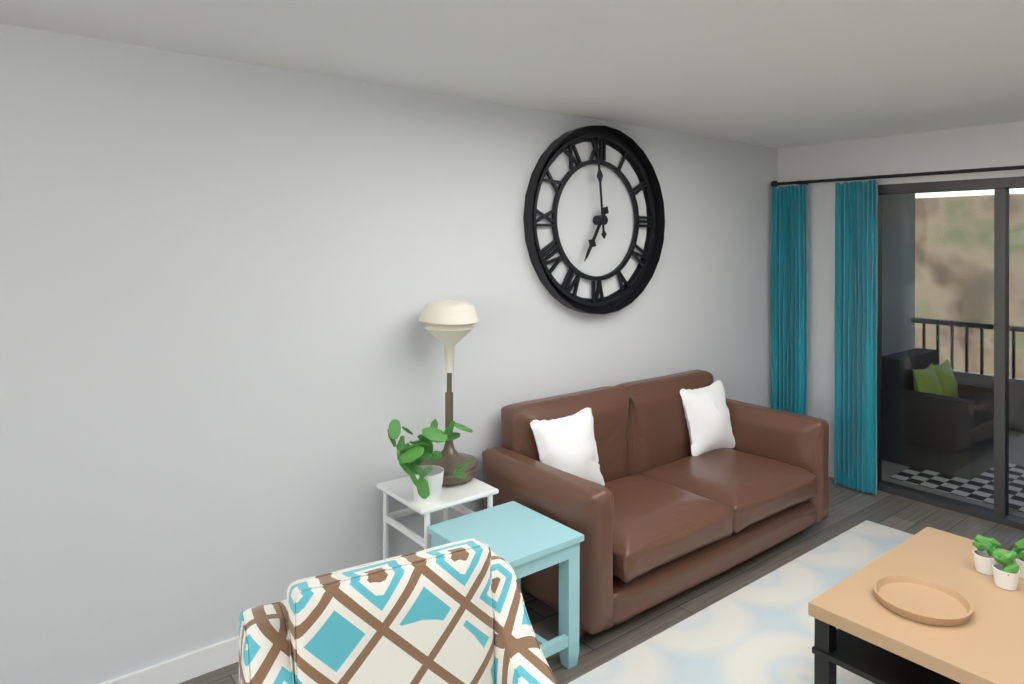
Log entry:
6 h 59 min
